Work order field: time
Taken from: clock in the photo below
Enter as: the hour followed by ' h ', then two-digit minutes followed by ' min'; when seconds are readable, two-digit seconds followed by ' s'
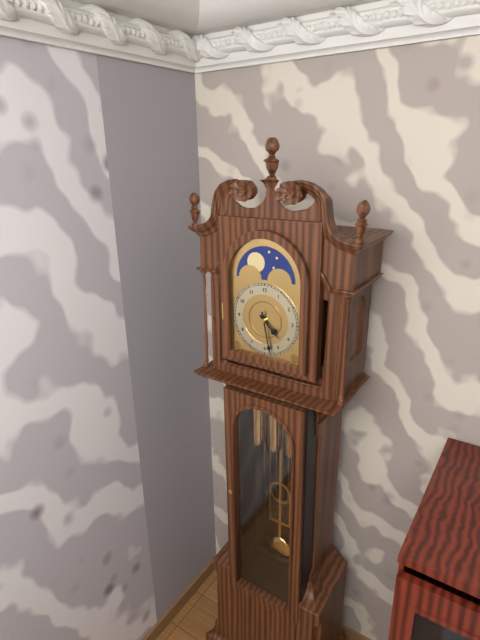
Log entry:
4 h 28 min
